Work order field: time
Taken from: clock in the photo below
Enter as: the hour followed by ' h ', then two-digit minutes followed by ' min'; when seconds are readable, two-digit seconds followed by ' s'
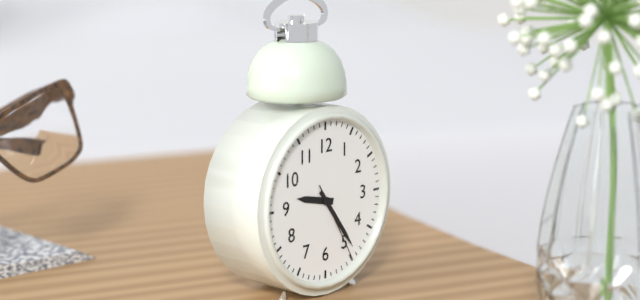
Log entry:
9 h 24 min 25 s
